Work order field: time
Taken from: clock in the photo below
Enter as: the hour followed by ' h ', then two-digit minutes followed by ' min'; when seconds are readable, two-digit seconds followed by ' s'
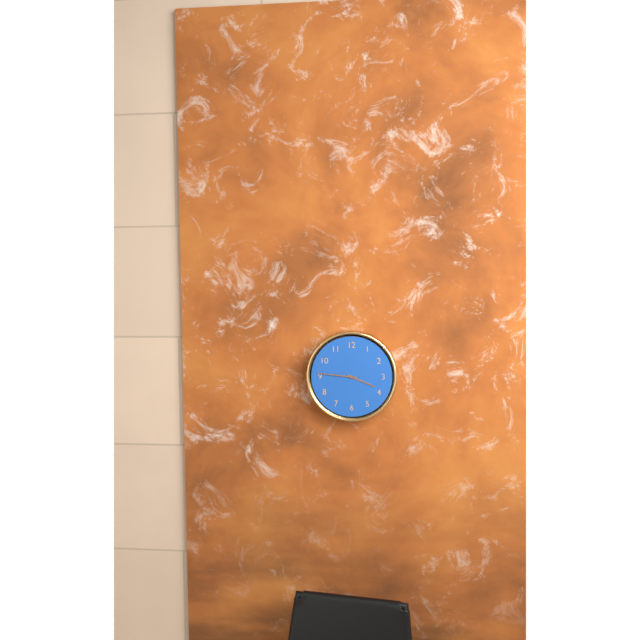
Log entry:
3 h 46 min
